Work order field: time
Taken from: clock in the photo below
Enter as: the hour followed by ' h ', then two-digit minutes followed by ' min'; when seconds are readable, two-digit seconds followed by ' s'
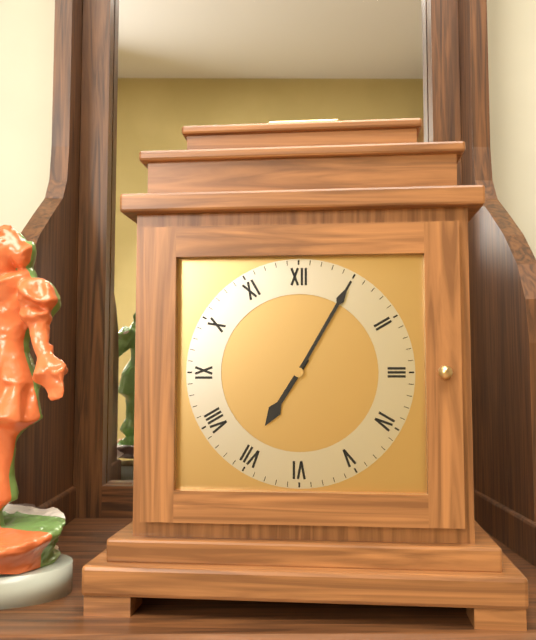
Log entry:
7 h 05 min
